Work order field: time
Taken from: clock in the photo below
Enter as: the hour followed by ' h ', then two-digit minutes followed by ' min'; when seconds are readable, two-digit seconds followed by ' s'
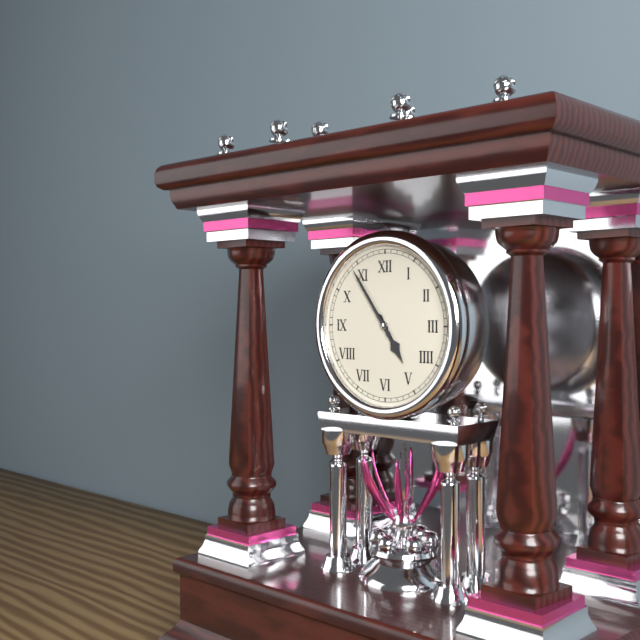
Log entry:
4 h 54 min
